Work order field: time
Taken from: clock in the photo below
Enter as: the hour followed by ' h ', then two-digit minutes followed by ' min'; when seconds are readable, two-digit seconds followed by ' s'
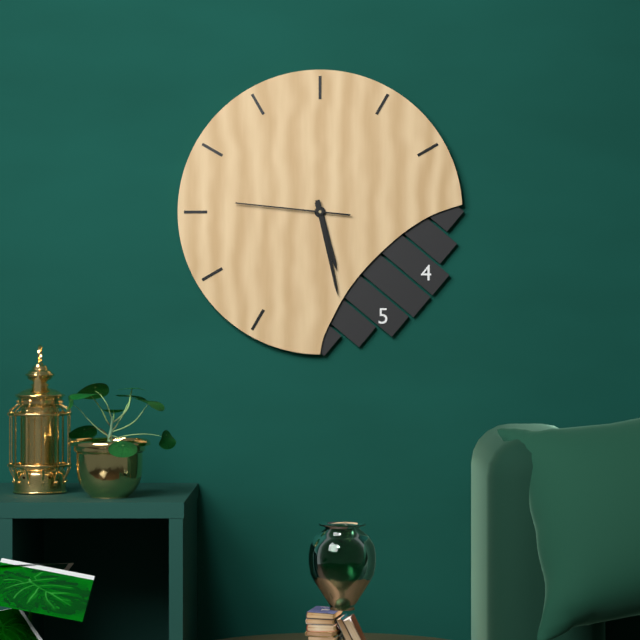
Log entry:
5 h 28 min 46 s
